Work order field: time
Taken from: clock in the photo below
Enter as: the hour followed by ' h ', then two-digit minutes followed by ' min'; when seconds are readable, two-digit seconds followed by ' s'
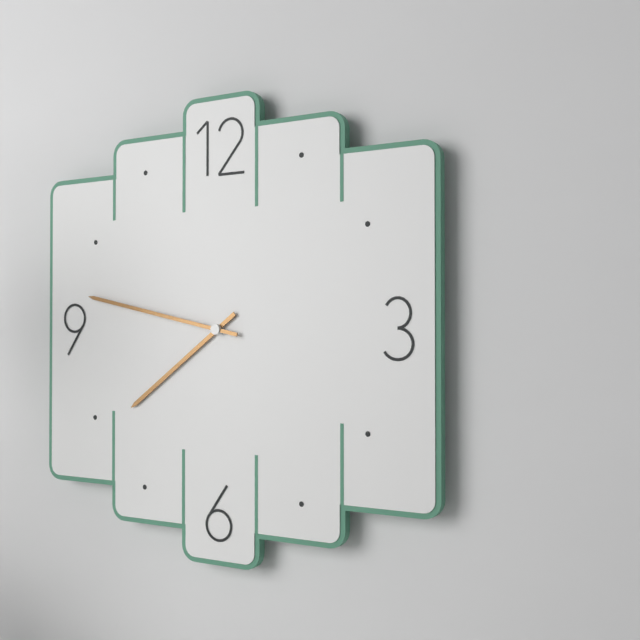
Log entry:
7 h 47 min
